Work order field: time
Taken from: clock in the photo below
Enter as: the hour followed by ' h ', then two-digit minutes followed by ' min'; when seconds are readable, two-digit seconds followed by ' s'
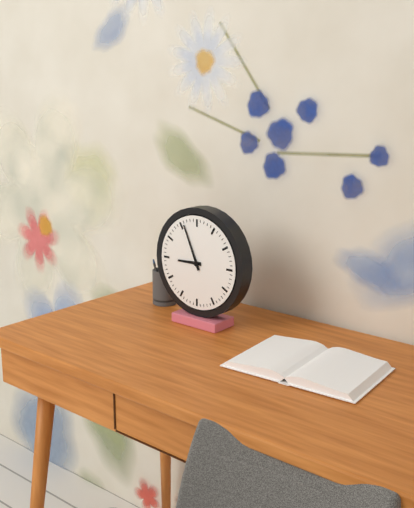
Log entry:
8 h 56 min
